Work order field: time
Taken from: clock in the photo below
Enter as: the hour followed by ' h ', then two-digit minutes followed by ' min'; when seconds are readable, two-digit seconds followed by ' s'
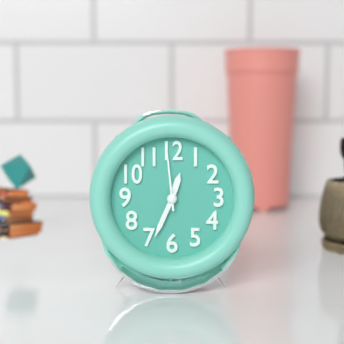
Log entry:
12 h 34 min 59 s
